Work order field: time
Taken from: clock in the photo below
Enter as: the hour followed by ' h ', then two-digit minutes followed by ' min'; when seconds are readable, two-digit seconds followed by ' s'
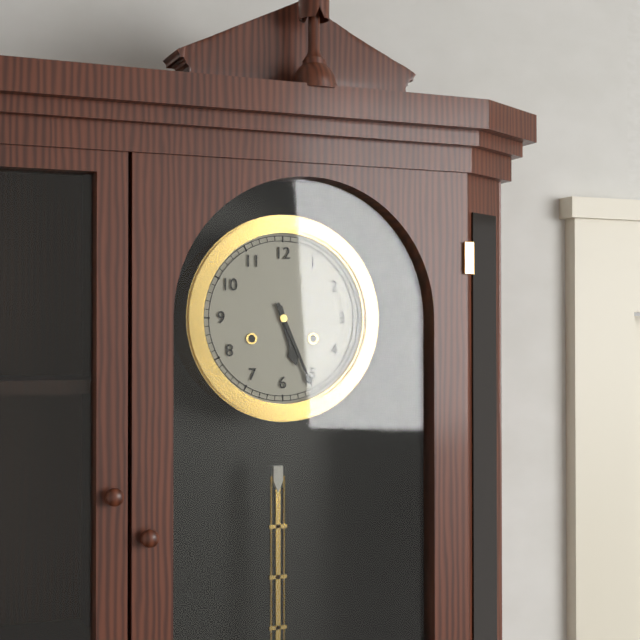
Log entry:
5 h 26 min
